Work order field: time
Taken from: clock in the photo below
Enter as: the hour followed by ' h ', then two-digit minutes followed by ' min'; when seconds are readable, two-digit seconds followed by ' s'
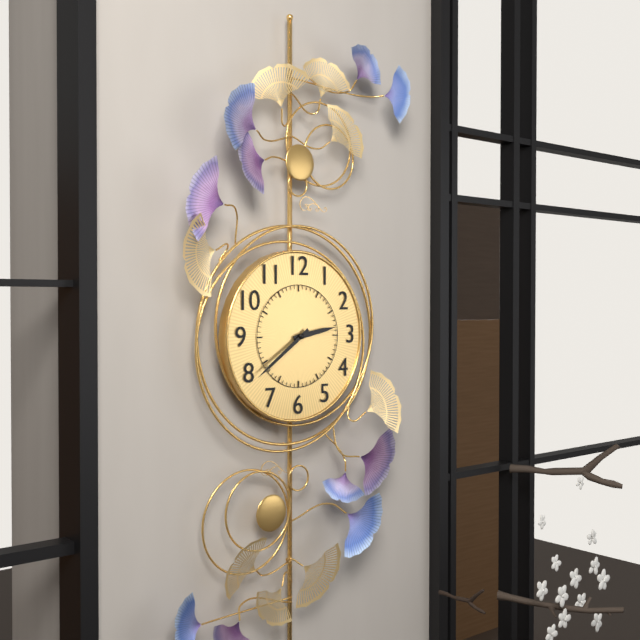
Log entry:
2 h 39 min
